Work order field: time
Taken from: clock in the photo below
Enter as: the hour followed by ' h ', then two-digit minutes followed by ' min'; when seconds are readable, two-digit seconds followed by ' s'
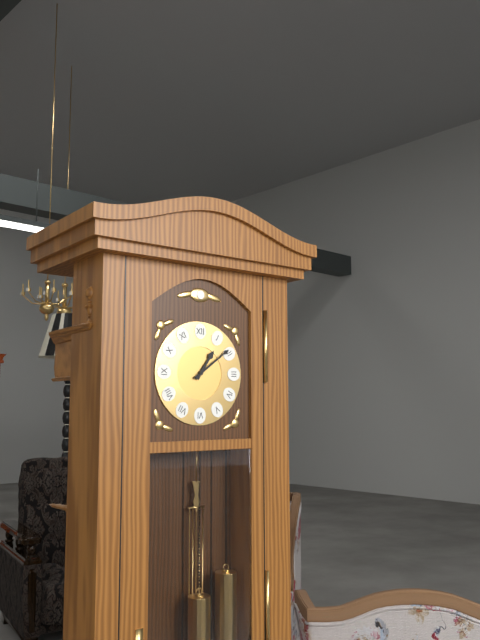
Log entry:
1 h 09 min
